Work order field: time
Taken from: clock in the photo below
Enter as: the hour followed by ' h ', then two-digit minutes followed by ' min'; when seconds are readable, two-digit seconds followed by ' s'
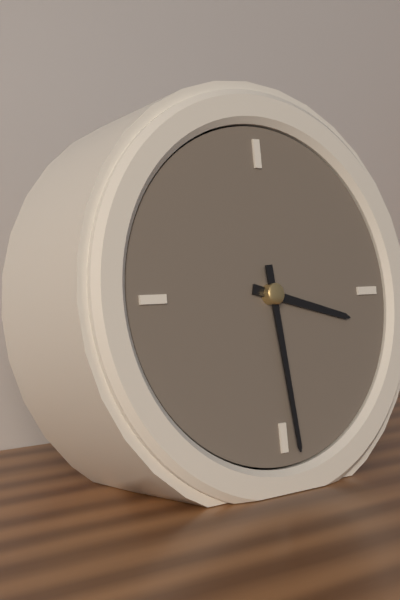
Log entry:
3 h 29 min
